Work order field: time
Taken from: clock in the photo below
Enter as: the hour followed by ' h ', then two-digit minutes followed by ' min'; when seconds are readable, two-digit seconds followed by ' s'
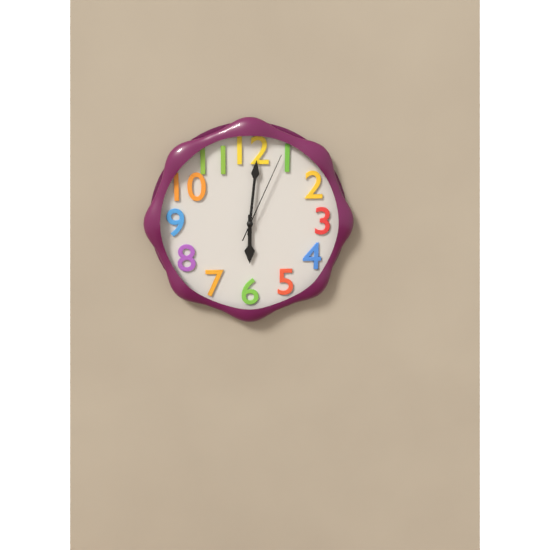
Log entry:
6 h 01 min 04 s
